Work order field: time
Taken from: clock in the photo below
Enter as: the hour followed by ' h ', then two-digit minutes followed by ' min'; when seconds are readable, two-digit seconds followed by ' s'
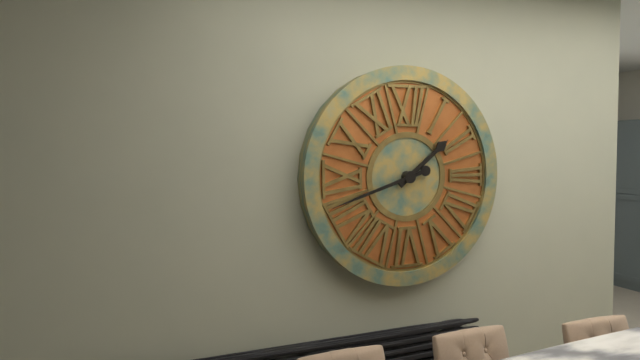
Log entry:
1 h 42 min
